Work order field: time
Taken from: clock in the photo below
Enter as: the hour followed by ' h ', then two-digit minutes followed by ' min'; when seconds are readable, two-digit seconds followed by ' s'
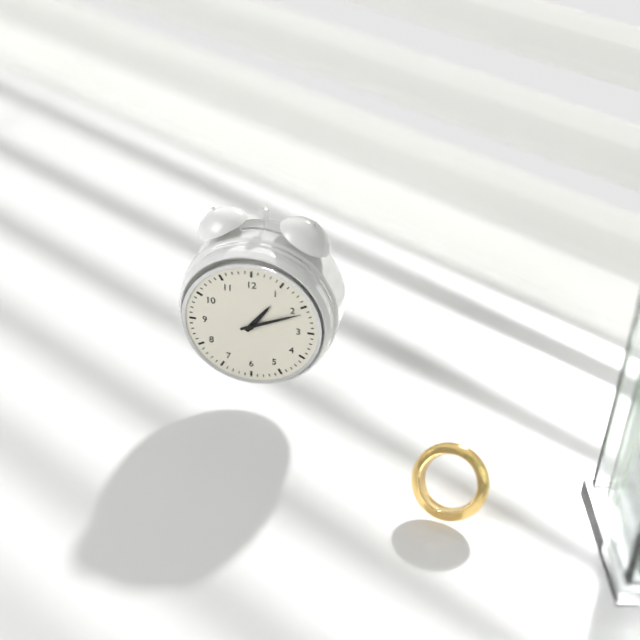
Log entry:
1 h 11 min
